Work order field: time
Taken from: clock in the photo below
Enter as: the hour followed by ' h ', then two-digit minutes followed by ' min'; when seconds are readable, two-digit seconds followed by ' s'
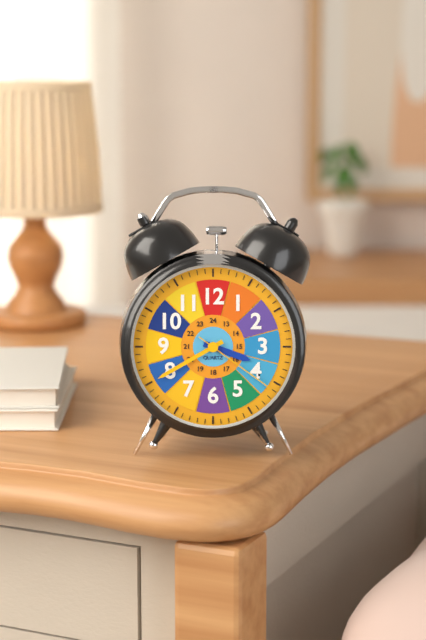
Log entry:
3 h 40 min 21 s
